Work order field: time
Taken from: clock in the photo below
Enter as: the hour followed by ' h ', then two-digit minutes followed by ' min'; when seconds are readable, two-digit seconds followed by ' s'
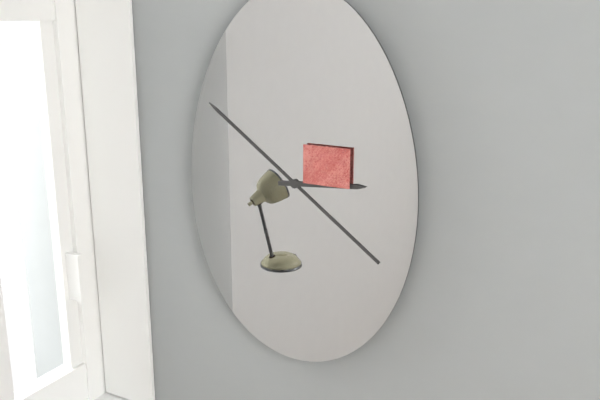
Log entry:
2 h 51 min
